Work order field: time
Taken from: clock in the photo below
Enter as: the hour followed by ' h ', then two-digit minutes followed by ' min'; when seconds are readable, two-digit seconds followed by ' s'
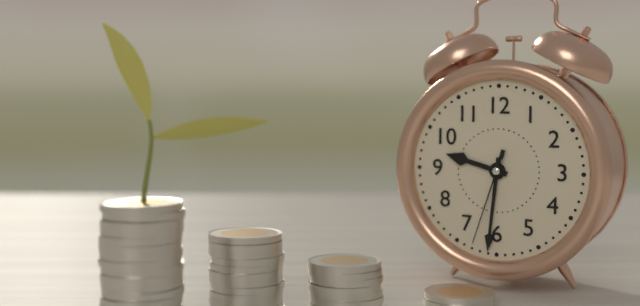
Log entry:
9 h 31 min 33 s
